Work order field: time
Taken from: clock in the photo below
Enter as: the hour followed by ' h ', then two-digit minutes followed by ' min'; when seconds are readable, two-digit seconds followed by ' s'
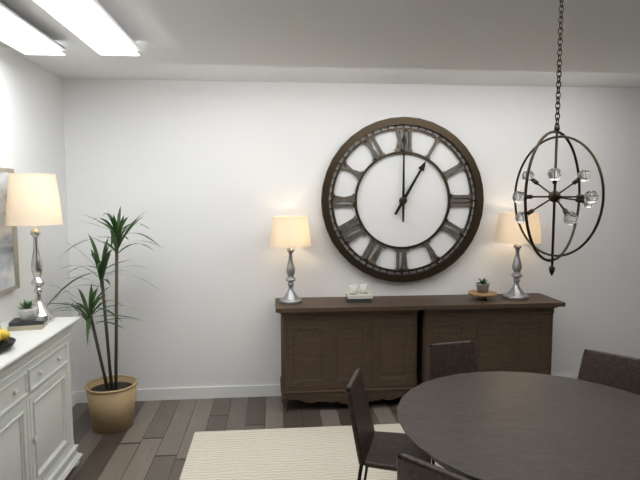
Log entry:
1 h 00 min
